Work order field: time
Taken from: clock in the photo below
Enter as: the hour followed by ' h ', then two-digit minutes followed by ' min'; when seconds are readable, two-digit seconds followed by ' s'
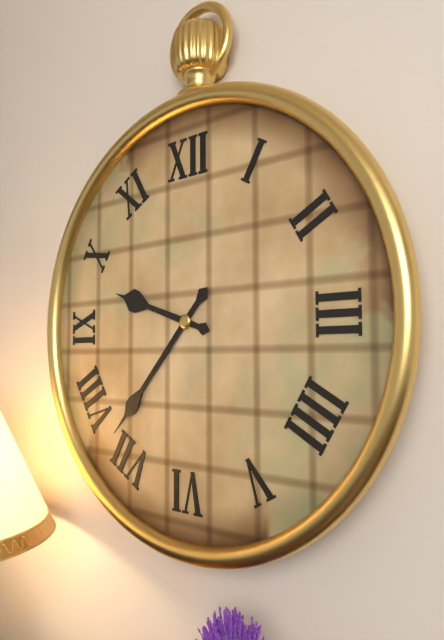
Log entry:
9 h 37 min
